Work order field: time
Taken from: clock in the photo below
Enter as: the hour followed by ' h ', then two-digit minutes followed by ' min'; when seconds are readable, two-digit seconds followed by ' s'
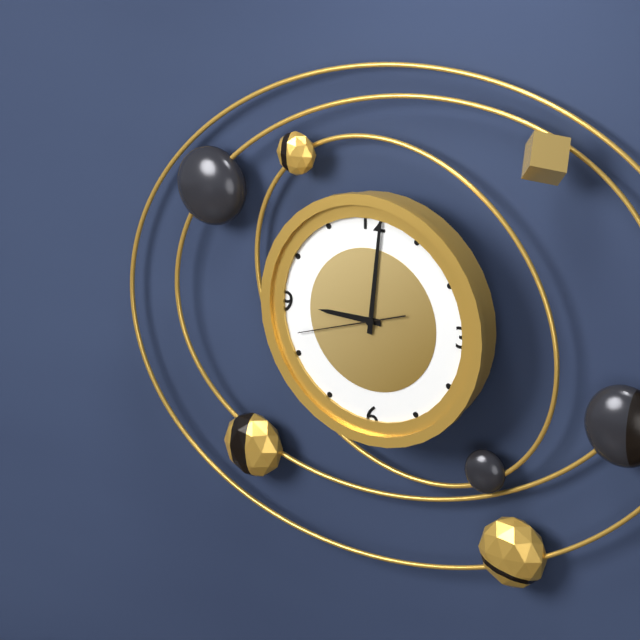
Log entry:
9 h 01 min 42 s
